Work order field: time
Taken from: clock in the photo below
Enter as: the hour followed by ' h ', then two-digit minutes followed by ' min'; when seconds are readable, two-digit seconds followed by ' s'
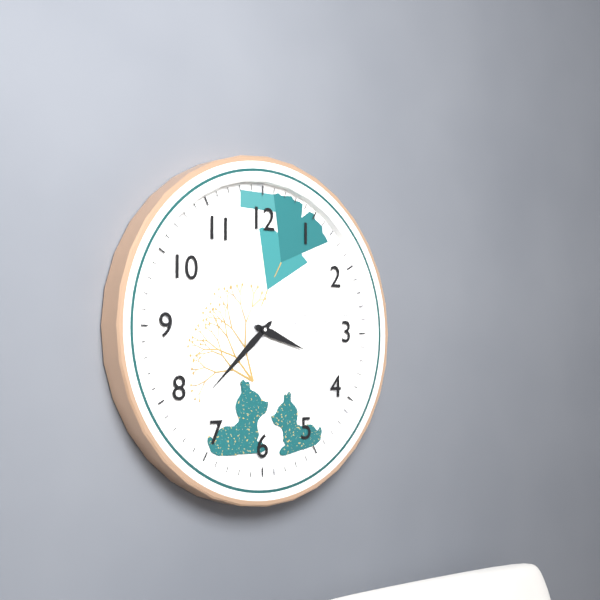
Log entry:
3 h 38 min
